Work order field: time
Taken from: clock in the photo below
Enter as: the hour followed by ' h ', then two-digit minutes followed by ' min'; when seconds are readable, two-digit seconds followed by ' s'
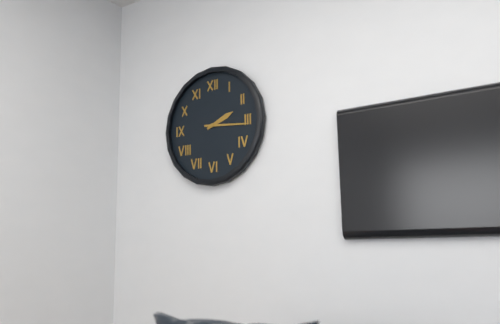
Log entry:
2 h 16 min
